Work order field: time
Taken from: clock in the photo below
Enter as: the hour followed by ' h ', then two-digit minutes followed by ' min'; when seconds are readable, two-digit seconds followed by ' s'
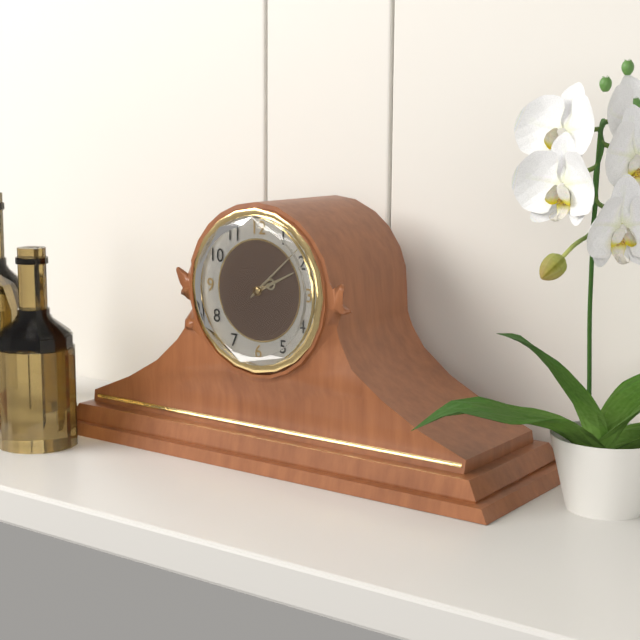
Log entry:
2 h 08 min
